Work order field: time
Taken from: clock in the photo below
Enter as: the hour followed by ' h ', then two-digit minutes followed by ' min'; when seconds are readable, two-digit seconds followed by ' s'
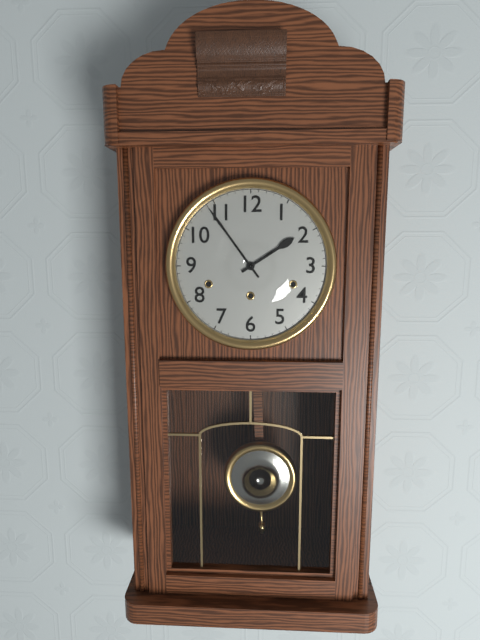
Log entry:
1 h 54 min
